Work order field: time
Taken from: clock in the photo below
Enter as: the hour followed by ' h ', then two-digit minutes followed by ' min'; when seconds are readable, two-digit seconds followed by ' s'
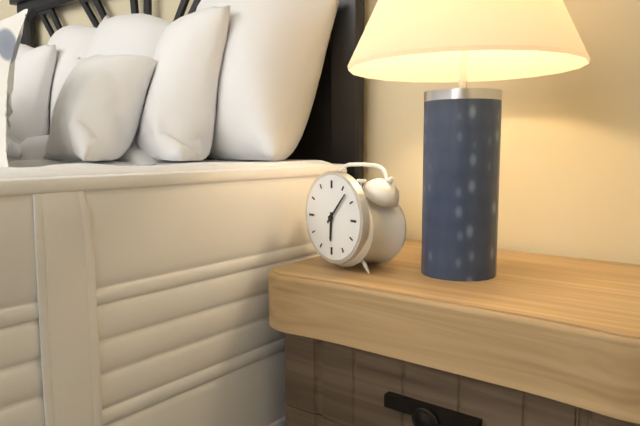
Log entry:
6 h 07 min
